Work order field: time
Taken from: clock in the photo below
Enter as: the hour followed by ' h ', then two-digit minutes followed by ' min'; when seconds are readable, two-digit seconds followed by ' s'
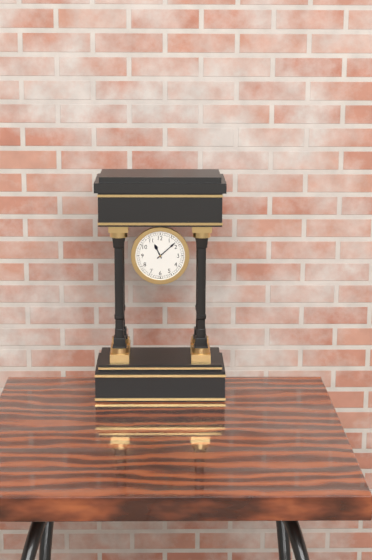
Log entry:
11 h 08 min
